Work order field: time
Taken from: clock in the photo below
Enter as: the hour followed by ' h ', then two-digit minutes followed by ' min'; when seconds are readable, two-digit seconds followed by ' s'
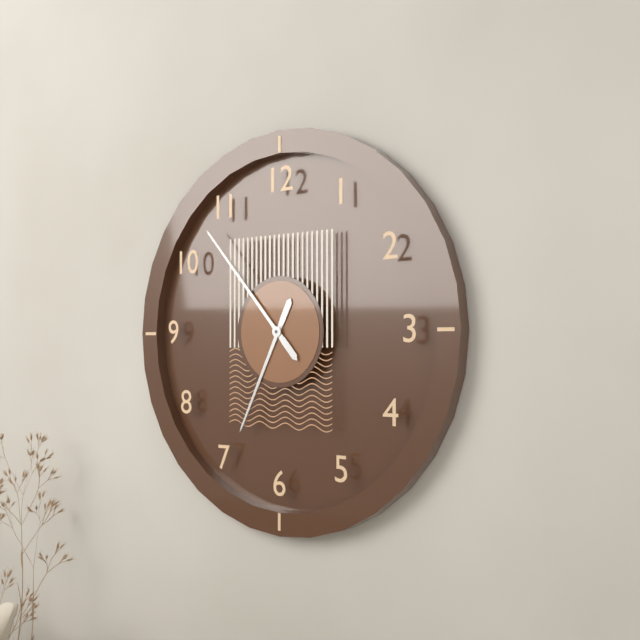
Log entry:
6 h 53 min
